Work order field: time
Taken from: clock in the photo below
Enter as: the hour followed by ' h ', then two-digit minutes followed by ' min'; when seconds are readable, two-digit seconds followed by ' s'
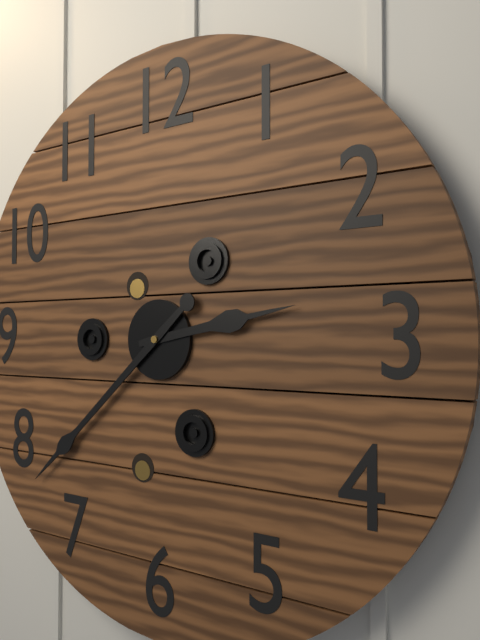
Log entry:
2 h 38 min
